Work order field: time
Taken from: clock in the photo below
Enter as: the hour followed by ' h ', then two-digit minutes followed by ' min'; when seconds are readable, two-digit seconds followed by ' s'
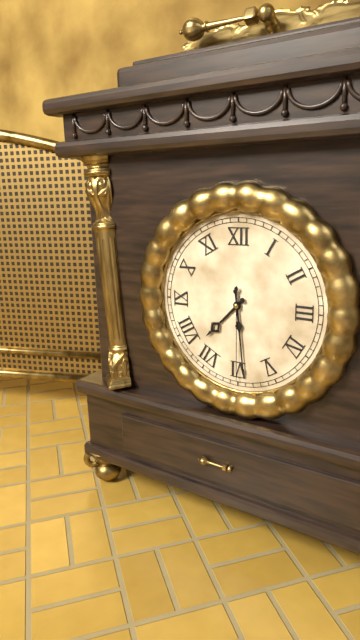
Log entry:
7 h 29 min 30 s
